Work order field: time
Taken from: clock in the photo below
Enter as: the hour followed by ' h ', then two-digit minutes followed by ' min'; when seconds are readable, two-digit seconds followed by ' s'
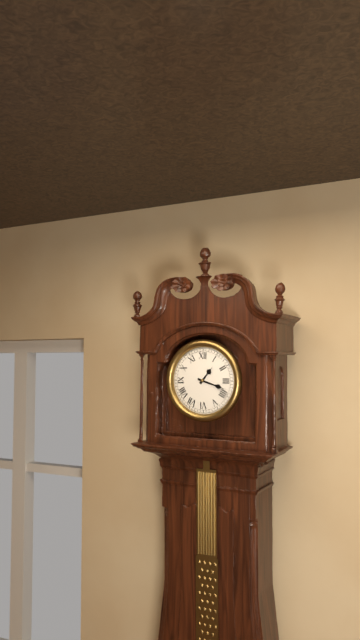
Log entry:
1 h 18 min
